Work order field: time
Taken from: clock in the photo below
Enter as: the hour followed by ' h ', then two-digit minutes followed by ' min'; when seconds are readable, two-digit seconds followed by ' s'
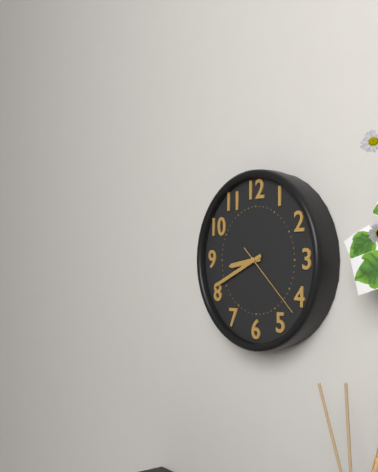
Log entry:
8 h 41 min 22 s
